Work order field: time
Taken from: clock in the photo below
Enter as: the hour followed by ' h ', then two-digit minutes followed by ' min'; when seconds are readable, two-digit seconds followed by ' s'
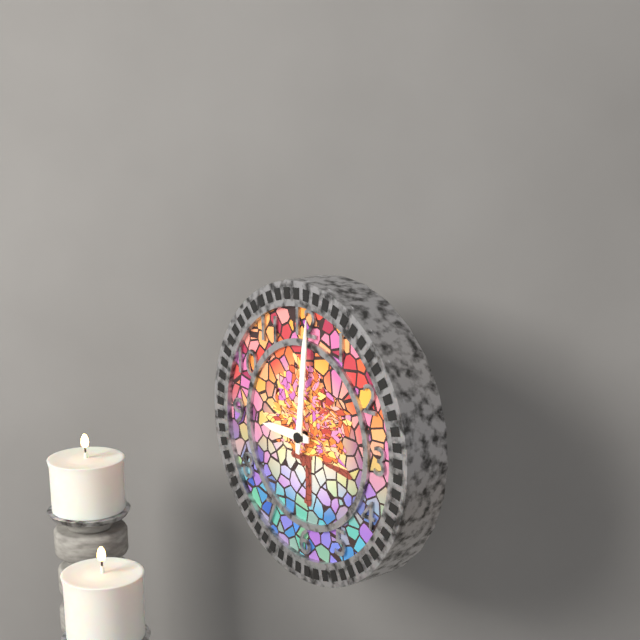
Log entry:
9 h 01 min
